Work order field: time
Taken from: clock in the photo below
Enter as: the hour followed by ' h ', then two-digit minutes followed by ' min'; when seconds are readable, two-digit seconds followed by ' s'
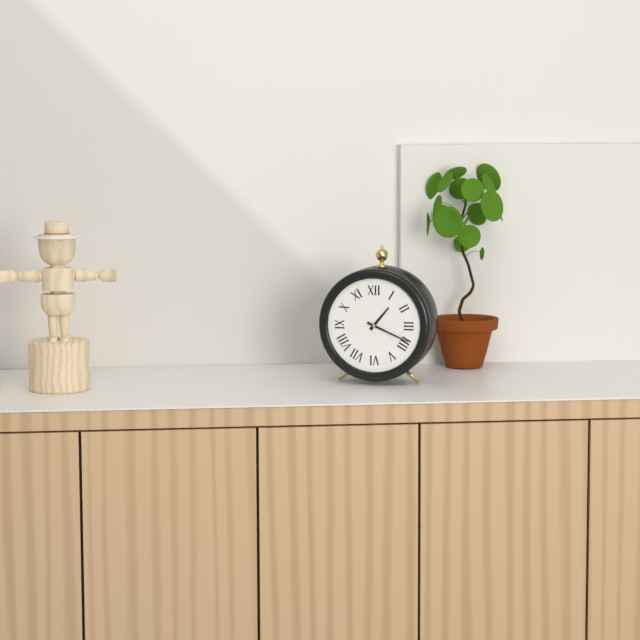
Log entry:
1 h 19 min
